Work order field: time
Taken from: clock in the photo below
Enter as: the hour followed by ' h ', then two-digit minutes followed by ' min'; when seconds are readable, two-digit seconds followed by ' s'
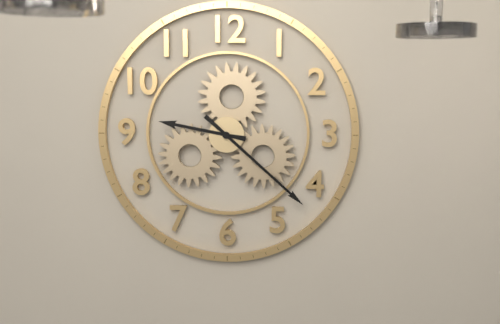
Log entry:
9 h 22 min
